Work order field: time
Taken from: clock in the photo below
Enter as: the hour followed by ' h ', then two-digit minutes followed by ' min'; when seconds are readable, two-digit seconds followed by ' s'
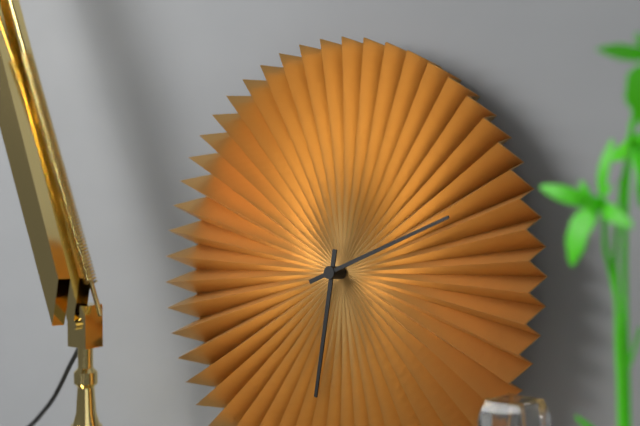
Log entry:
6 h 11 min
